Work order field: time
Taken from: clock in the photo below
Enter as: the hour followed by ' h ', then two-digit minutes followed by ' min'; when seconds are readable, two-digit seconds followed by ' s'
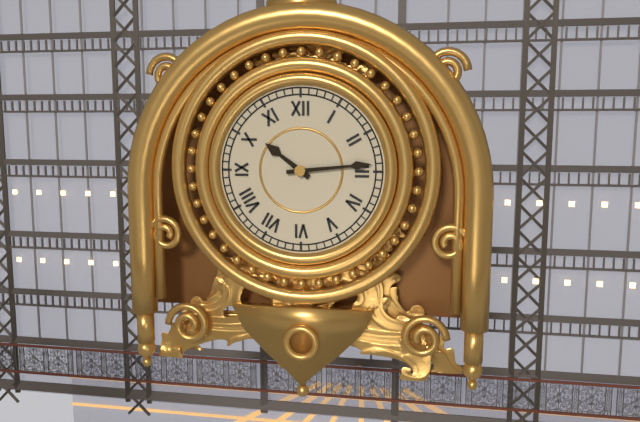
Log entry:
10 h 14 min
